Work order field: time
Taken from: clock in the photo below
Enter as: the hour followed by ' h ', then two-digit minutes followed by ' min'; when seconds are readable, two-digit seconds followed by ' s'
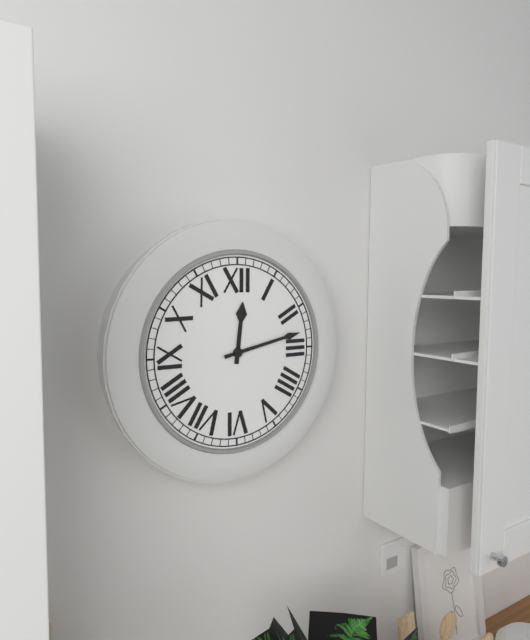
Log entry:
12 h 13 min
